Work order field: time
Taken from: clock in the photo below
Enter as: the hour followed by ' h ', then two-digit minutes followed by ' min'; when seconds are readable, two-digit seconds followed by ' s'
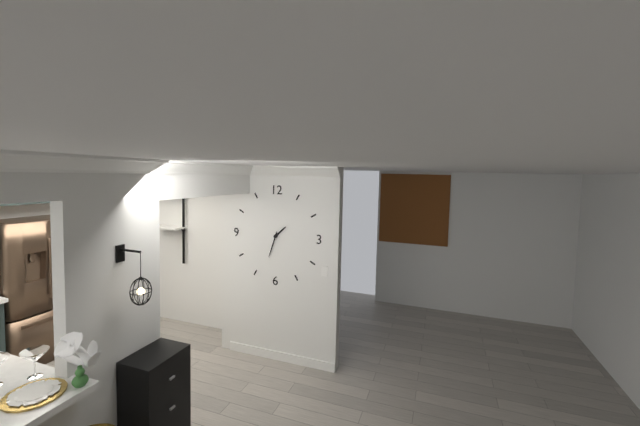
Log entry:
1 h 33 min
